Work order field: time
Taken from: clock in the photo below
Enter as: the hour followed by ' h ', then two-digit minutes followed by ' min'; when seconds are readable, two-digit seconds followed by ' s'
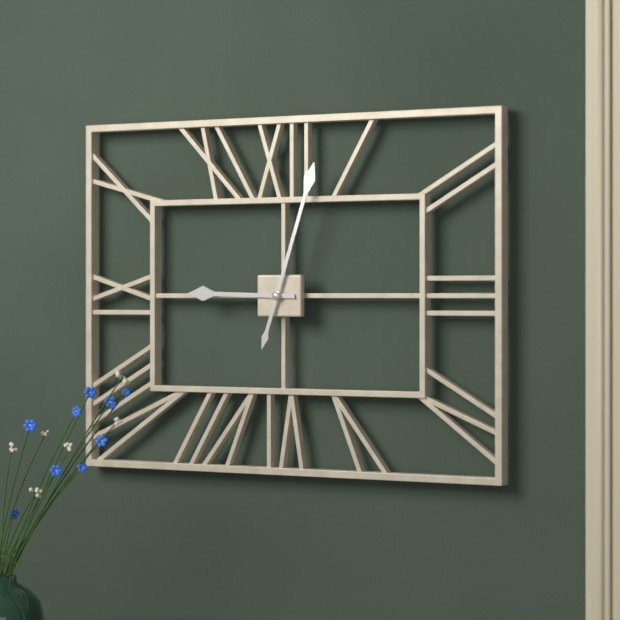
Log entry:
9 h 03 min
